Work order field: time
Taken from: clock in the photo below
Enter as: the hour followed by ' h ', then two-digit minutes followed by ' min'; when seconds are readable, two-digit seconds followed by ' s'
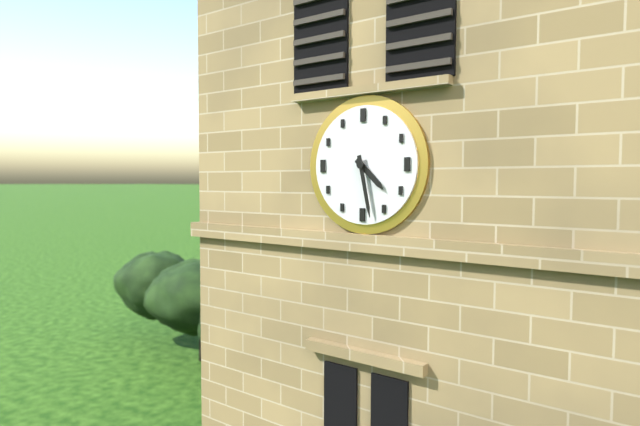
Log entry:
4 h 28 min
